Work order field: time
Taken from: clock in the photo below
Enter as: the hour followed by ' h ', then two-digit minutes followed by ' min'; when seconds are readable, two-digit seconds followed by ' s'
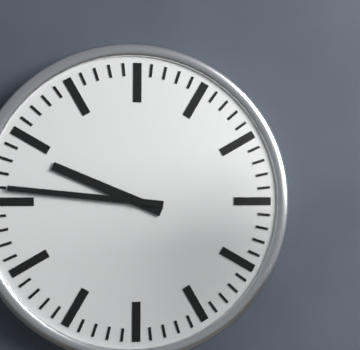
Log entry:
9 h 46 min
